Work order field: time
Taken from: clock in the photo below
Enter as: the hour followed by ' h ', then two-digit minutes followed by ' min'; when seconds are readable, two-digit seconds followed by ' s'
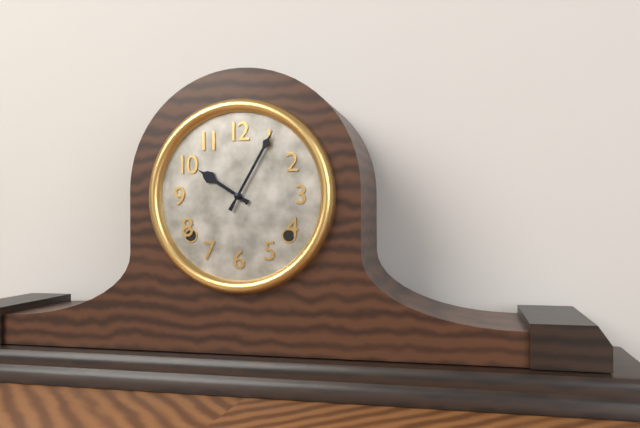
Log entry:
10 h 05 min
